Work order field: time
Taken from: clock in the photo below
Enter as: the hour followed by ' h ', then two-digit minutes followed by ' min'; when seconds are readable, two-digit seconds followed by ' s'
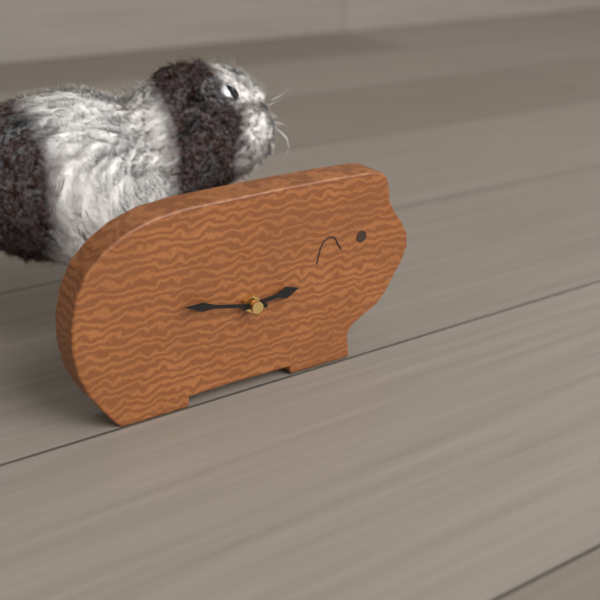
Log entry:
2 h 47 min
